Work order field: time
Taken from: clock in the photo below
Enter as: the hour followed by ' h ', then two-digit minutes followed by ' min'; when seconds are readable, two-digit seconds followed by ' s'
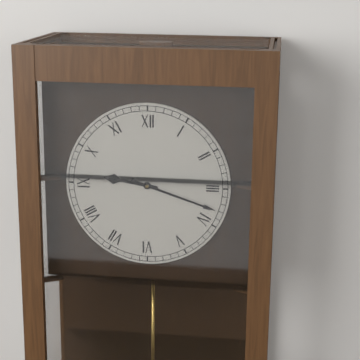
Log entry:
9 h 18 min
